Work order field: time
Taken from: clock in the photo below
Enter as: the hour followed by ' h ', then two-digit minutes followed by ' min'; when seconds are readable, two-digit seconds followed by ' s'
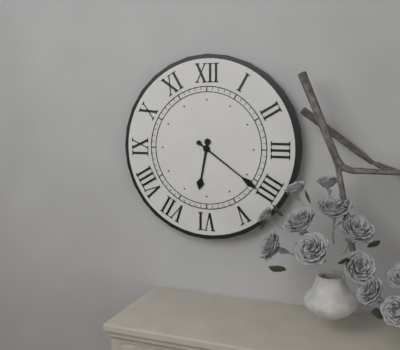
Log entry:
6 h 21 min
